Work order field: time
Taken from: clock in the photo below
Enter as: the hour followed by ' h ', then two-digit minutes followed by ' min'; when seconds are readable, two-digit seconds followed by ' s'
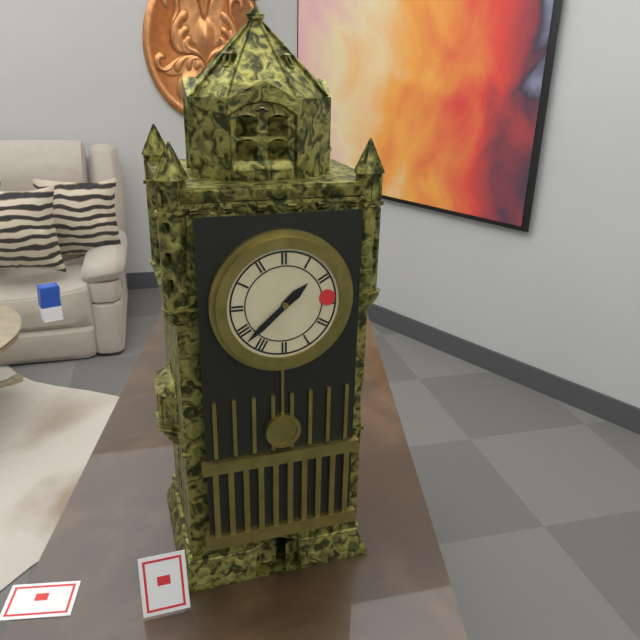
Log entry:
1 h 38 min
